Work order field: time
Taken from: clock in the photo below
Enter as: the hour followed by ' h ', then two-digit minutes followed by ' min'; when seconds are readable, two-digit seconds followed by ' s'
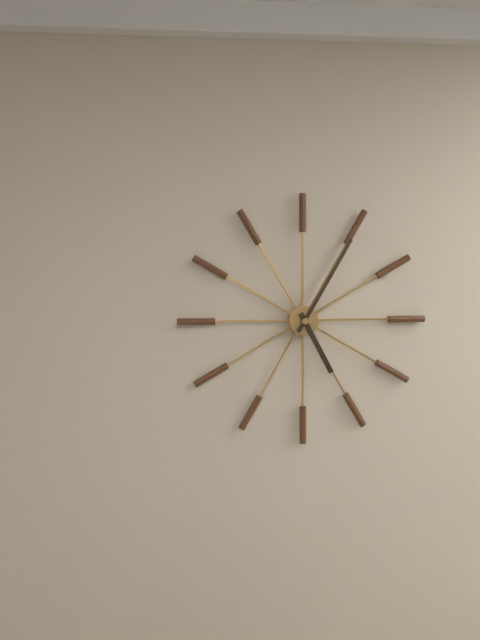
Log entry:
5 h 05 min
